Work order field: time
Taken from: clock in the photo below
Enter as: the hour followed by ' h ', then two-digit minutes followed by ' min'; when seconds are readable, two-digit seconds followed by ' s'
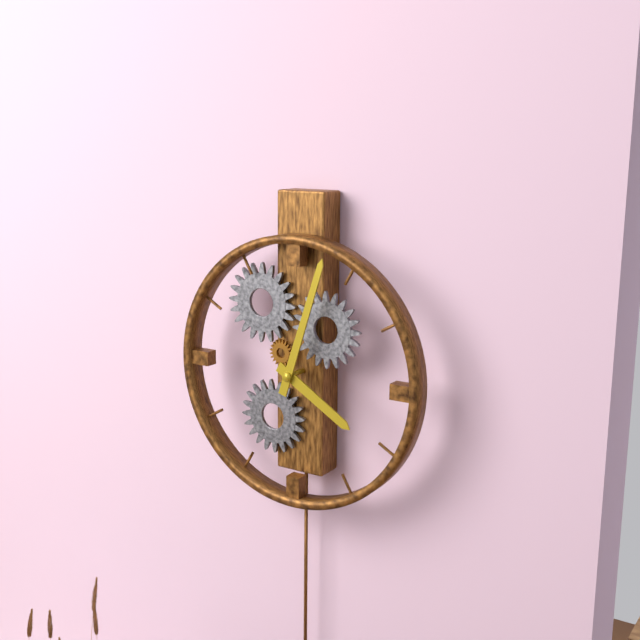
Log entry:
4 h 03 min
